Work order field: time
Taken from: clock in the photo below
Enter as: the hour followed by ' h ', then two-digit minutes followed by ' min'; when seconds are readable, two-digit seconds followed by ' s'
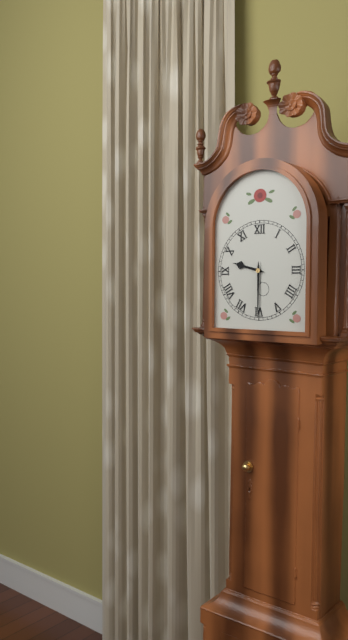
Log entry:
9 h 30 min
